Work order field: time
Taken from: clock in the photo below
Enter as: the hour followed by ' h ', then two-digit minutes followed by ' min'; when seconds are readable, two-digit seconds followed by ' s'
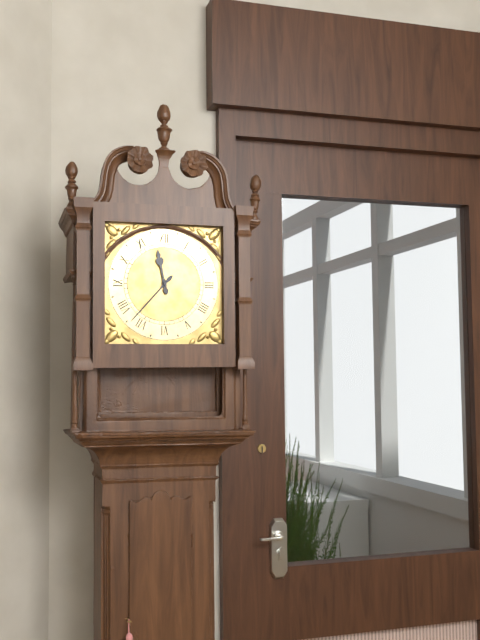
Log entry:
11 h 37 min
